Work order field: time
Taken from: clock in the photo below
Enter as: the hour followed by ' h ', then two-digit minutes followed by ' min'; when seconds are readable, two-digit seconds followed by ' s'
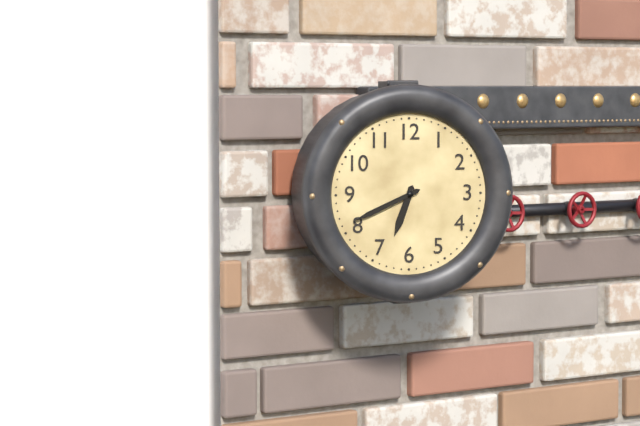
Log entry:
6 h 41 min
